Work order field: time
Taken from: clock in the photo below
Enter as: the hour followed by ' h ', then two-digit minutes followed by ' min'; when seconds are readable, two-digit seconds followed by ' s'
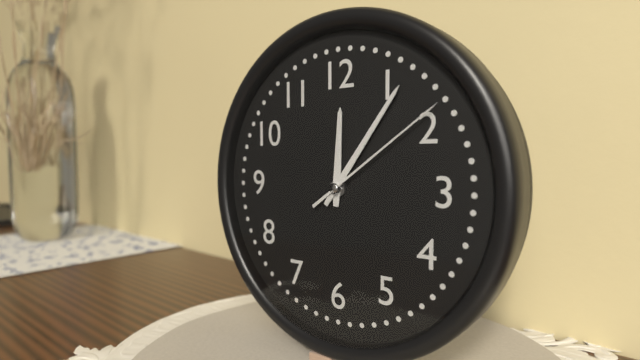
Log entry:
12 h 06 min 09 s
